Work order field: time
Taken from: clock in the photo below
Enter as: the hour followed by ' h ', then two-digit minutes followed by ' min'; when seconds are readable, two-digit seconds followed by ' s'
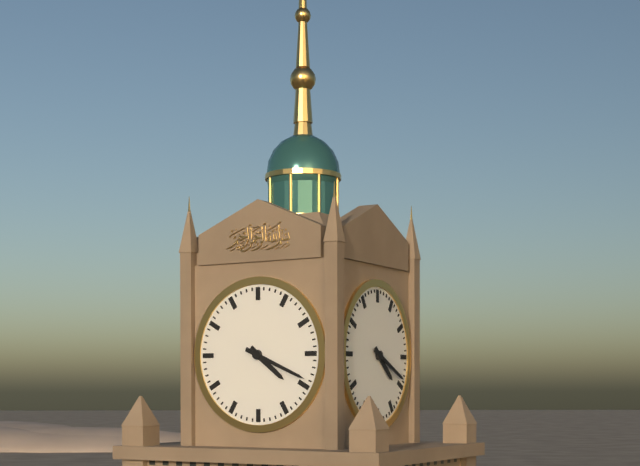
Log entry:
4 h 19 min
